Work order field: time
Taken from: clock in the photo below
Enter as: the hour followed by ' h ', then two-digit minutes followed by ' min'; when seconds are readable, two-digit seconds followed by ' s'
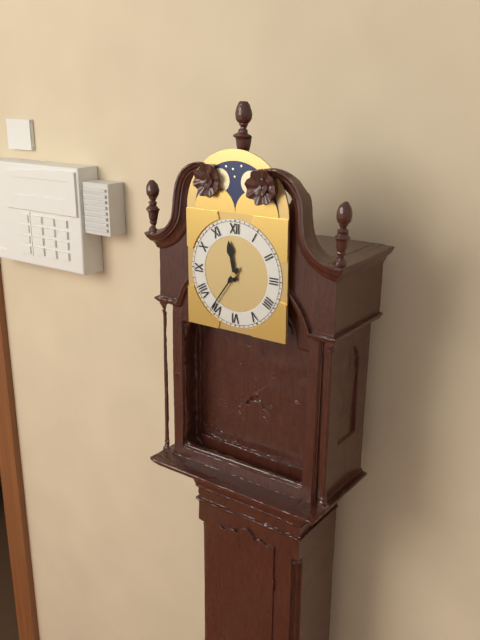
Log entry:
11 h 36 min
